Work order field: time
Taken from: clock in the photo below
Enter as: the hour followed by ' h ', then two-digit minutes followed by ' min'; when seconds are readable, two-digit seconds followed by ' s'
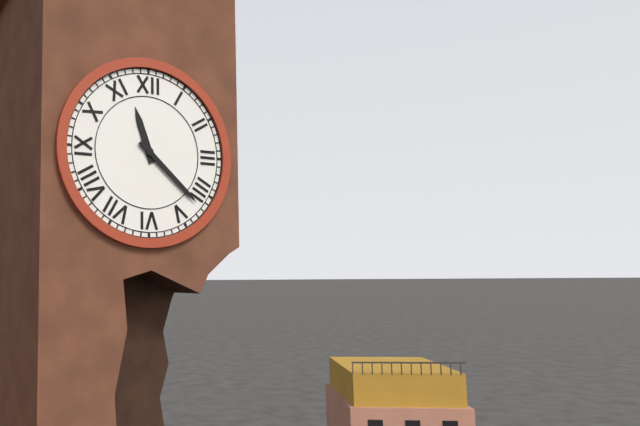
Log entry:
11 h 22 min
